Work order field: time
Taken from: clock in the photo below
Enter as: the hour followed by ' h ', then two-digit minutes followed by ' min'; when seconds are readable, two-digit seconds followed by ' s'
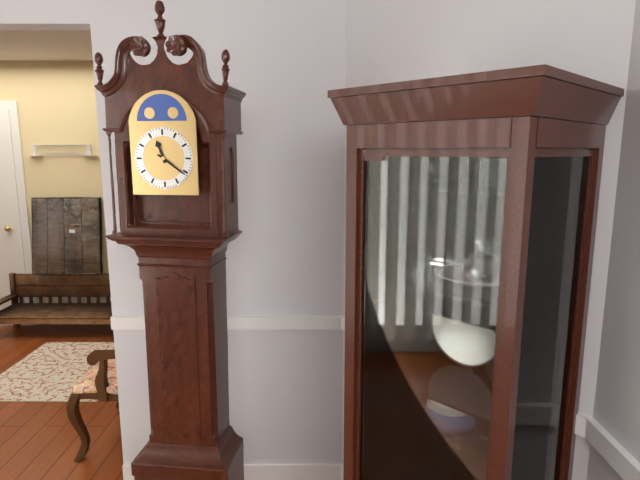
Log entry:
11 h 21 min
